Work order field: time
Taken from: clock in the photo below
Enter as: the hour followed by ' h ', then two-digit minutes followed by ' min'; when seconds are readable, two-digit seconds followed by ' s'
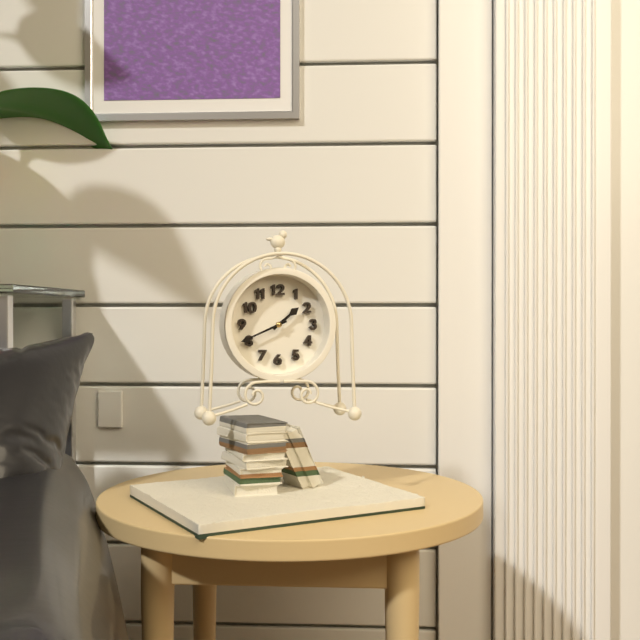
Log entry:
1 h 41 min
